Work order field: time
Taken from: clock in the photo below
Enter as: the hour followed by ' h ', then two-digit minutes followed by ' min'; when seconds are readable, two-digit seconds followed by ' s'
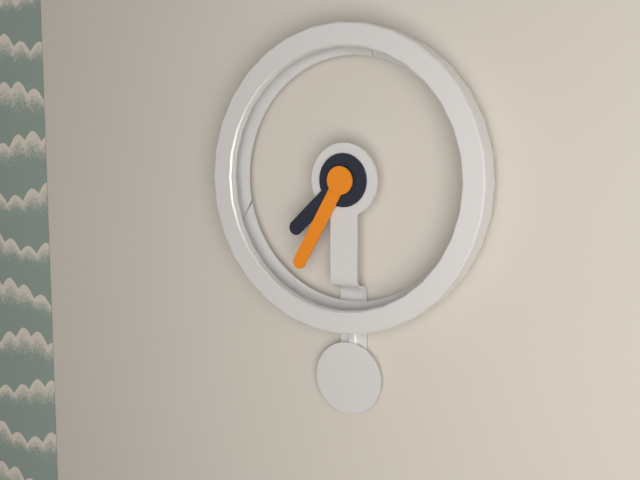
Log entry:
7 h 35 min
